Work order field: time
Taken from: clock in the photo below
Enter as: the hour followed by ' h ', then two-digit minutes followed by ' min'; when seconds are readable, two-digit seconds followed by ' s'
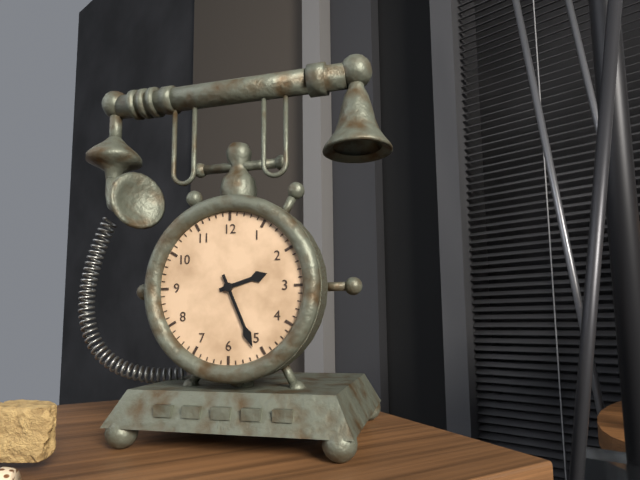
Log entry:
2 h 26 min
